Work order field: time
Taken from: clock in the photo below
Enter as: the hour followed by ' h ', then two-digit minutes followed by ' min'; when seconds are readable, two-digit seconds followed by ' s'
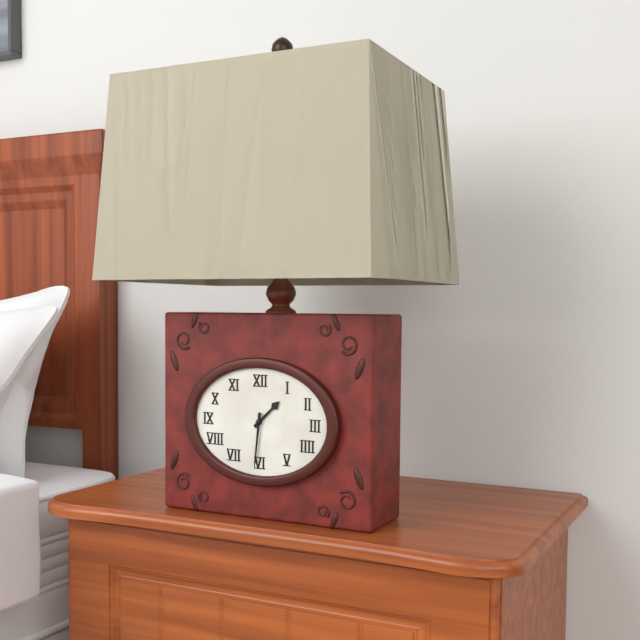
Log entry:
1 h 31 min
